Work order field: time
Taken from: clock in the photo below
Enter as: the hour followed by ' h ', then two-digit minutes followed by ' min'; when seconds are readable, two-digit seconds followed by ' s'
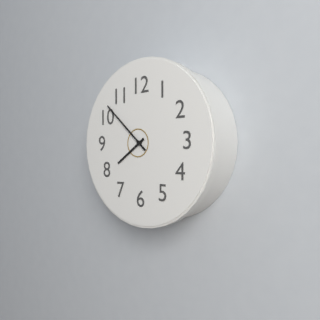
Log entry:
7 h 52 min
